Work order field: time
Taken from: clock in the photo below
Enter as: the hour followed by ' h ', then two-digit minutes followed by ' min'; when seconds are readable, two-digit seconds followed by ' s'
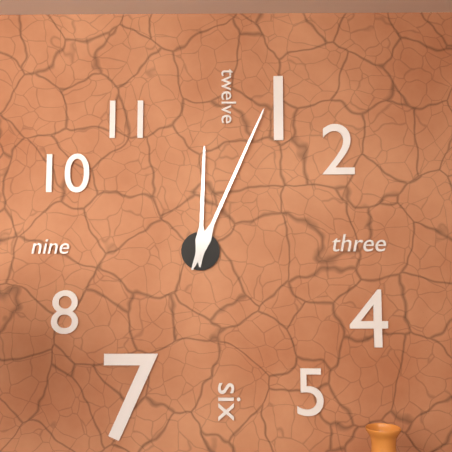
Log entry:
12 h 04 min
